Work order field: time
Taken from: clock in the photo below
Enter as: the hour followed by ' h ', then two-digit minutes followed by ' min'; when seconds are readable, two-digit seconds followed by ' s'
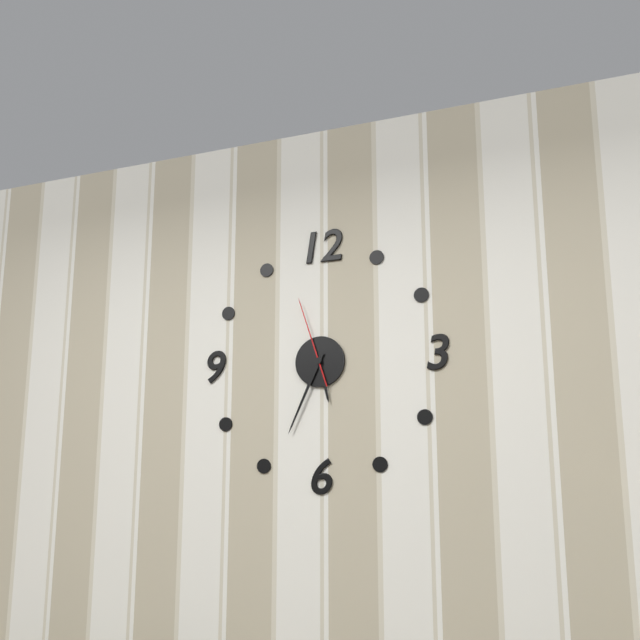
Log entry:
5 h 34 min 57 s
